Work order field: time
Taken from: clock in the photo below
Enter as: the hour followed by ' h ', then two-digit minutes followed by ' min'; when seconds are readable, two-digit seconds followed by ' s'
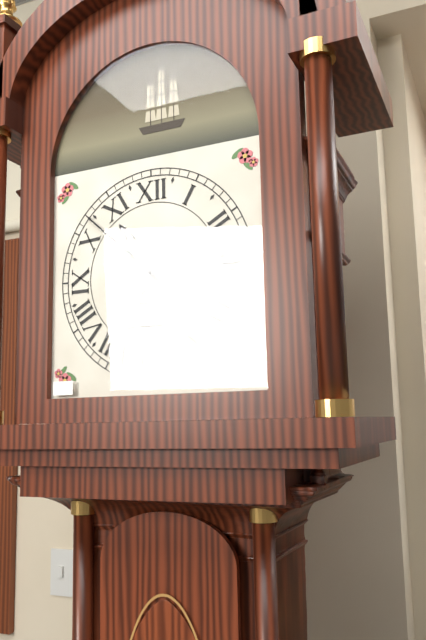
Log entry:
10 h 52 min
